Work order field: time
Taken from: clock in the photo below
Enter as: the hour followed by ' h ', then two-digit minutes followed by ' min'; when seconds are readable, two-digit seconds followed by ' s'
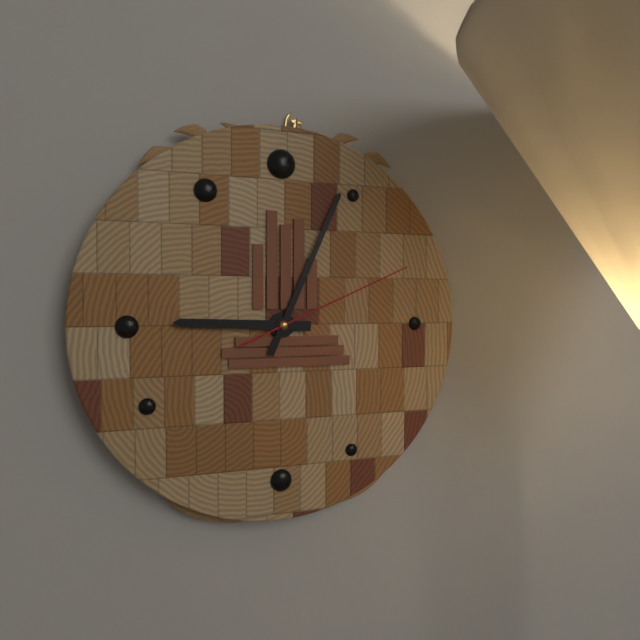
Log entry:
9 h 04 min 11 s
